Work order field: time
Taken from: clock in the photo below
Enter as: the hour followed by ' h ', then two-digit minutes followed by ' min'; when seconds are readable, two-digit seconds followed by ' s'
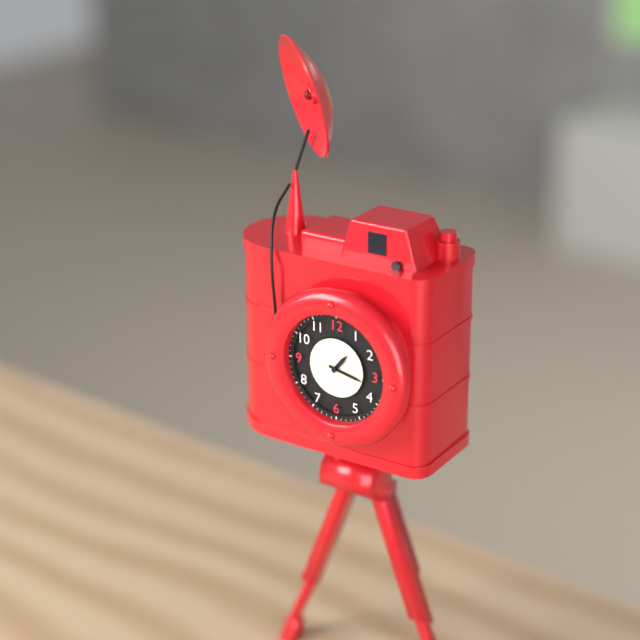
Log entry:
1 h 17 min
